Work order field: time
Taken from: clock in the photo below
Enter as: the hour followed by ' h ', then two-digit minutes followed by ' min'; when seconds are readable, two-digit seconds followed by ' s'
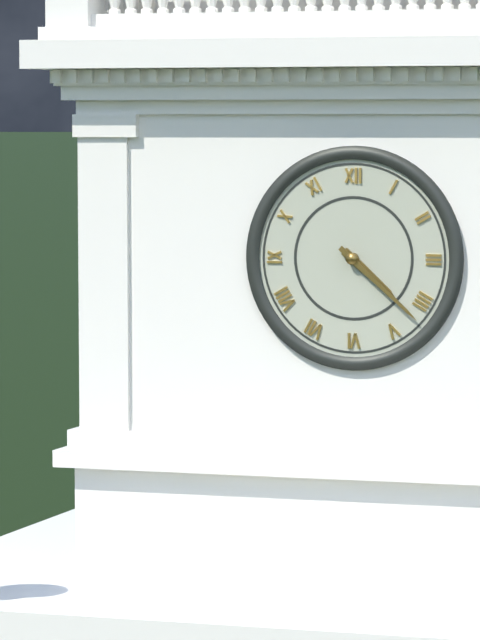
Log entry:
4 h 22 min
